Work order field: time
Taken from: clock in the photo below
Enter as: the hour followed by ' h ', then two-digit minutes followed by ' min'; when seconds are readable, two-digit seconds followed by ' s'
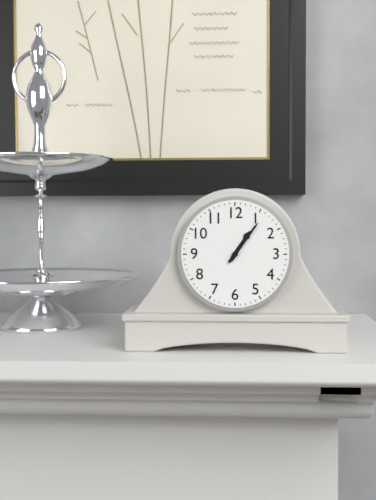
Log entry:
1 h 06 min
